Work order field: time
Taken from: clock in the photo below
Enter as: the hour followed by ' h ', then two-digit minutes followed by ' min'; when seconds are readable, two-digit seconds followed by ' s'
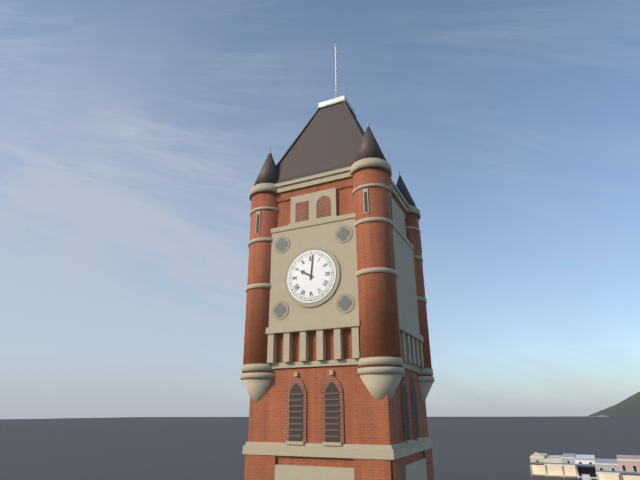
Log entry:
10 h 01 min
